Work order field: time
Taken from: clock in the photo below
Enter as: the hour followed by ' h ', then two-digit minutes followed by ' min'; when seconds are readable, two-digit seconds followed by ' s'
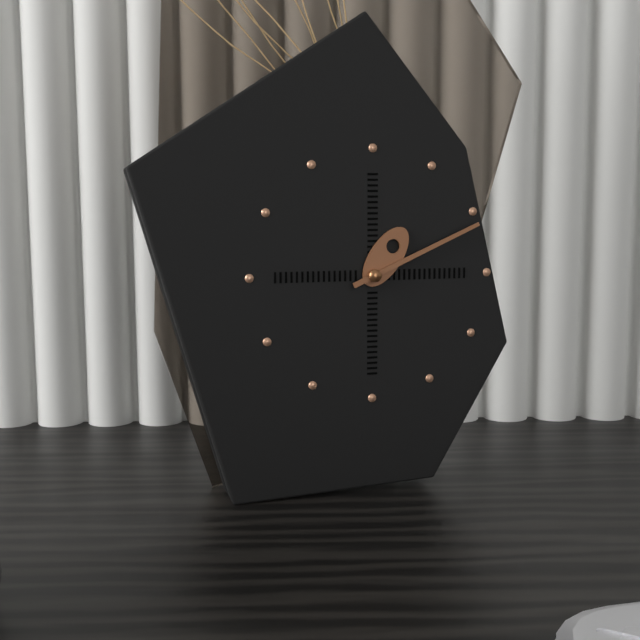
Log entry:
1 h 11 min
